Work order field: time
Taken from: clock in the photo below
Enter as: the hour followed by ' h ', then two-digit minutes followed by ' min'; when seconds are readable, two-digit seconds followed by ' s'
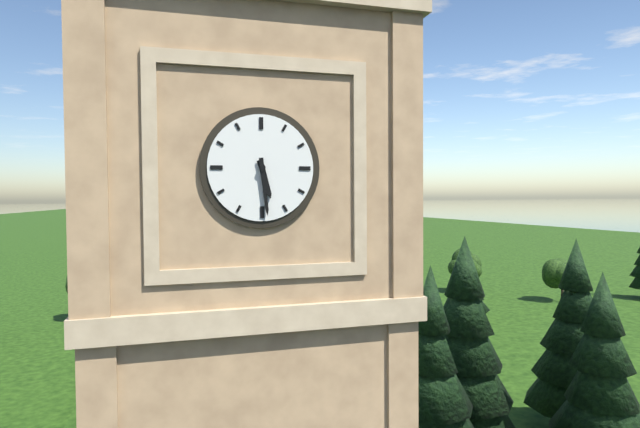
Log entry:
5 h 29 min
